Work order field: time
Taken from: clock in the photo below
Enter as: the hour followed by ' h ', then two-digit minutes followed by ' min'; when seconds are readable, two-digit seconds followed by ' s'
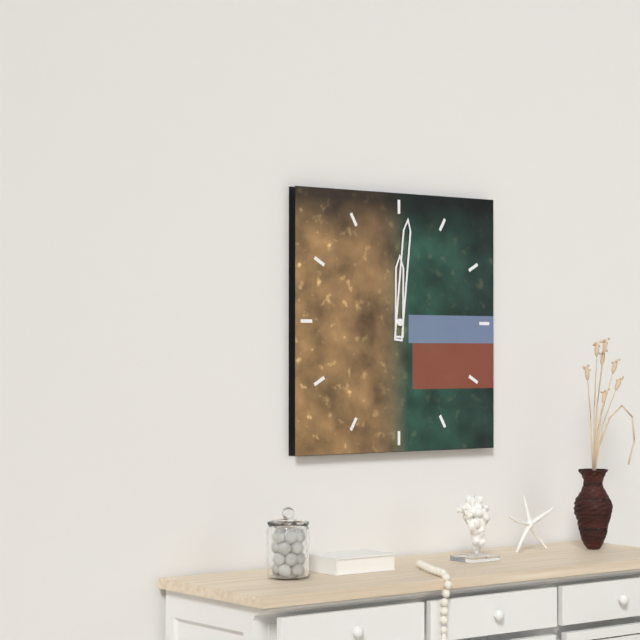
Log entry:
12 h 01 min
